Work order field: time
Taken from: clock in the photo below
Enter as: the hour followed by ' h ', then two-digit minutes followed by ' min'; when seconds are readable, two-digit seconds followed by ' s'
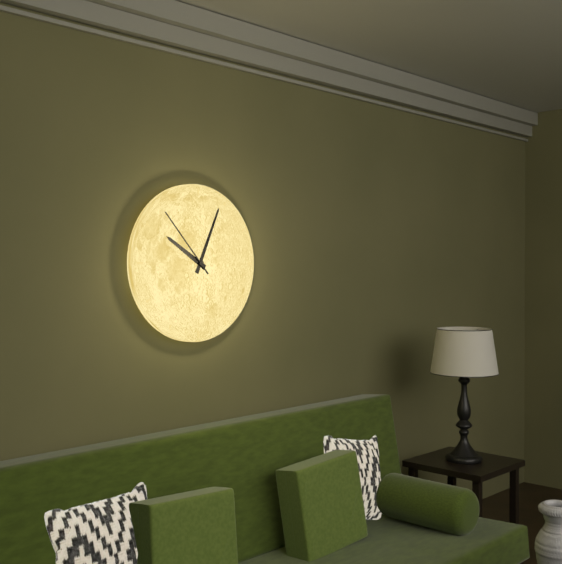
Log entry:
10 h 04 min 53 s
